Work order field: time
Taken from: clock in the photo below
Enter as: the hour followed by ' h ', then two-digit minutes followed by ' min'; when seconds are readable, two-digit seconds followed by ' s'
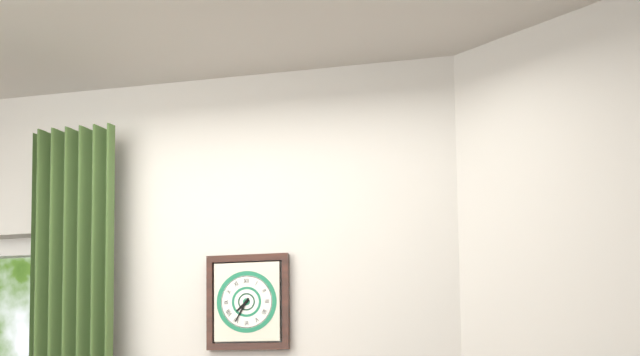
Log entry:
7 h 35 min
